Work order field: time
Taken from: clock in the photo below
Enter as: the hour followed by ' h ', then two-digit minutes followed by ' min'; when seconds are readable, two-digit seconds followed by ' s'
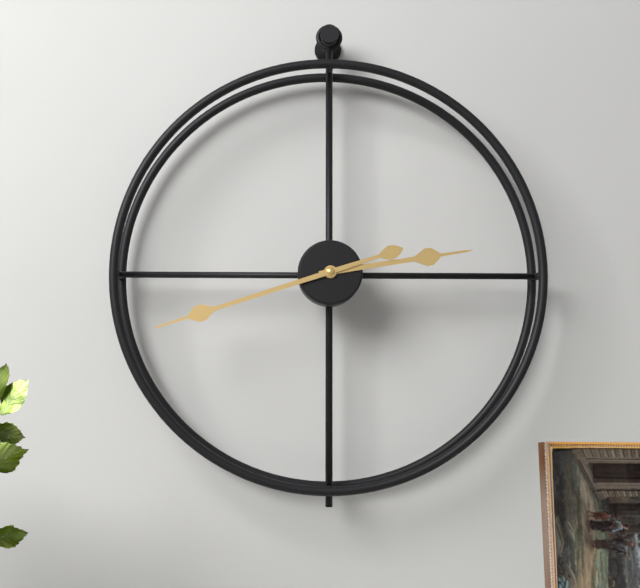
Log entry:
2 h 42 min
